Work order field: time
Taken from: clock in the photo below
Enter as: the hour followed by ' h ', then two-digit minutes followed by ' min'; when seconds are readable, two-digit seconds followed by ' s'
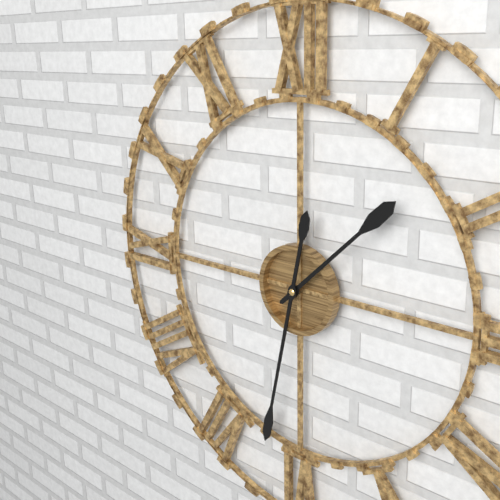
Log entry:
1 h 32 min
